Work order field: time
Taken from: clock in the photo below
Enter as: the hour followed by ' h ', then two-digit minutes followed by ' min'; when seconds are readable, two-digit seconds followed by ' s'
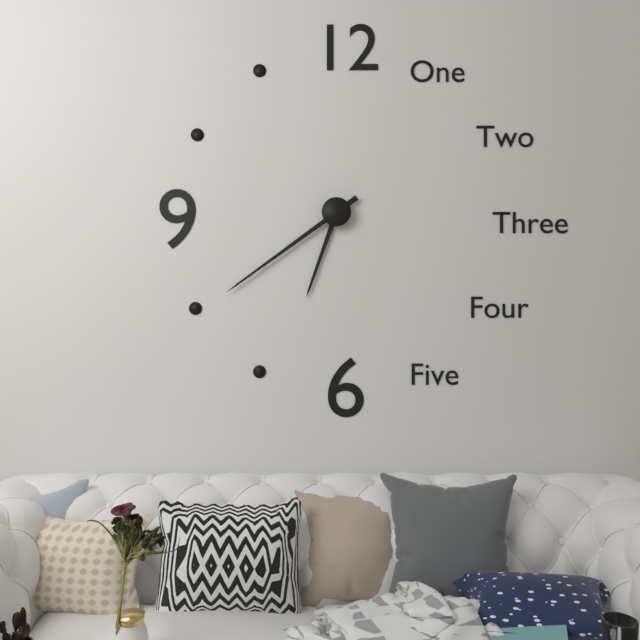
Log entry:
6 h 39 min
